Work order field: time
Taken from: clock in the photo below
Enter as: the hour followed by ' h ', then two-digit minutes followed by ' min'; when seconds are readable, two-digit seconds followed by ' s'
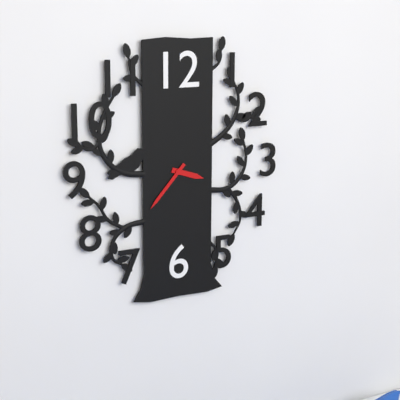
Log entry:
3 h 37 min
